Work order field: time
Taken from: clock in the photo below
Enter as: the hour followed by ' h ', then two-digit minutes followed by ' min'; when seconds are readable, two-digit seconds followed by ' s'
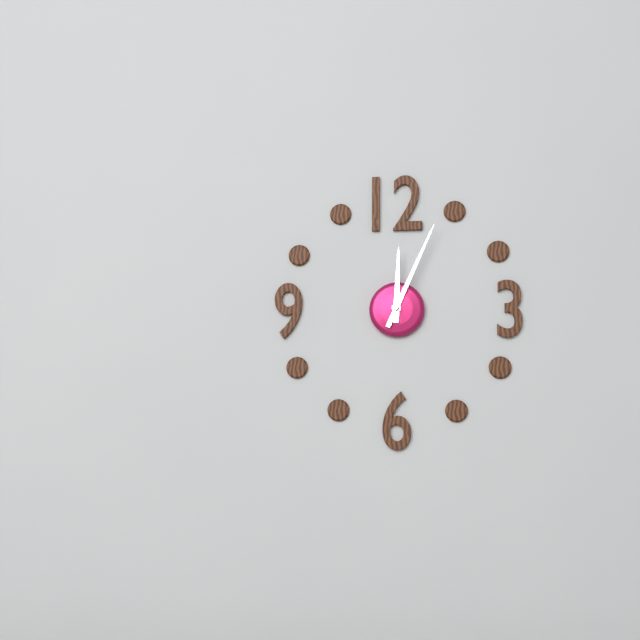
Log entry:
12 h 04 min
